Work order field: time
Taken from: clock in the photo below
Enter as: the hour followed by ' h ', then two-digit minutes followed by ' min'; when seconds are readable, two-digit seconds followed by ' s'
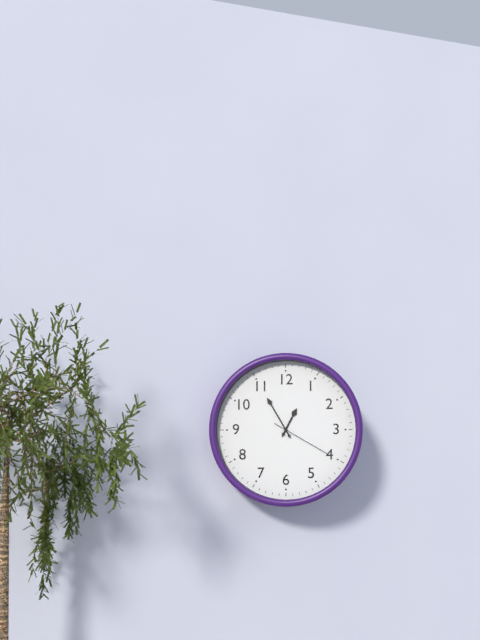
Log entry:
12 h 55 min 20 s
